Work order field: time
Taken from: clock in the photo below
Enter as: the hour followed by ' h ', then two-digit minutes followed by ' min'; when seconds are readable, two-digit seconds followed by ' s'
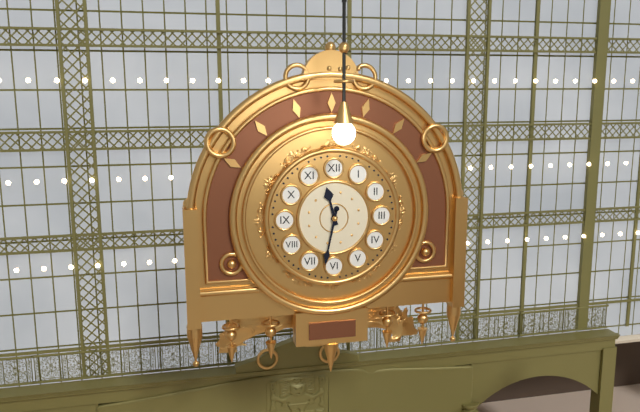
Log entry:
11 h 32 min
